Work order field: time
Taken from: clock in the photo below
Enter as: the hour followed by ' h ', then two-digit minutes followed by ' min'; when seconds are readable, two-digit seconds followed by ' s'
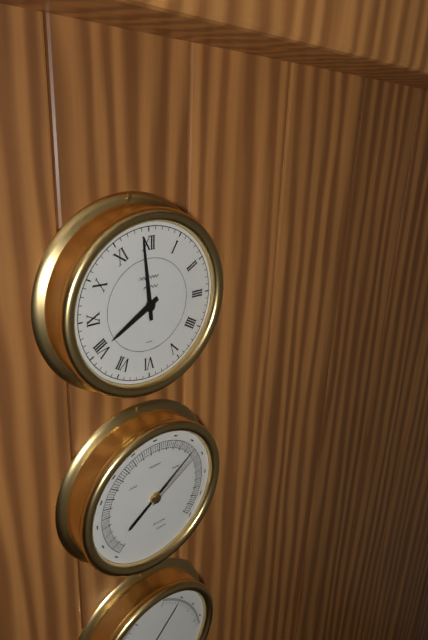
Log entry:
7 h 59 min
